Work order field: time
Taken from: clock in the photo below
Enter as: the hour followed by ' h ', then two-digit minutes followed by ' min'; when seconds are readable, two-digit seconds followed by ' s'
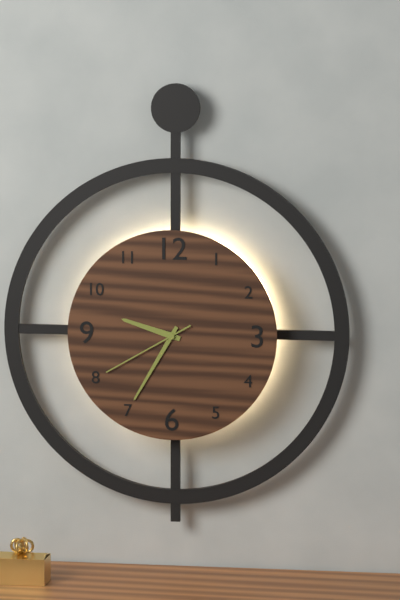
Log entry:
9 h 35 min 40 s
